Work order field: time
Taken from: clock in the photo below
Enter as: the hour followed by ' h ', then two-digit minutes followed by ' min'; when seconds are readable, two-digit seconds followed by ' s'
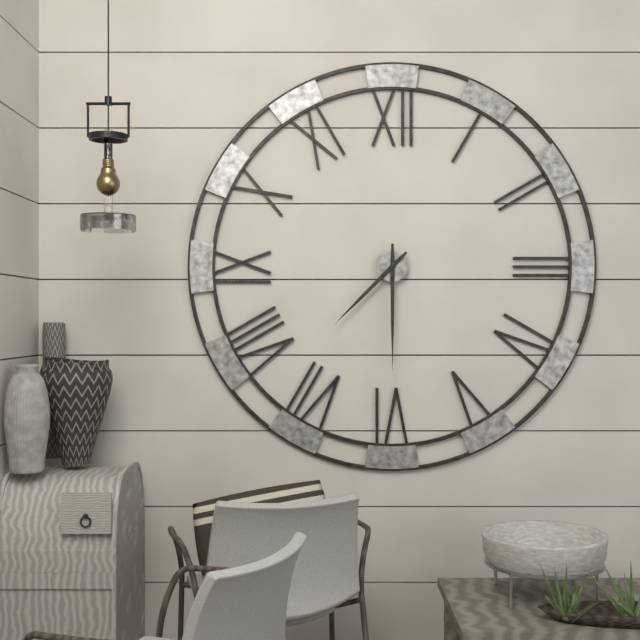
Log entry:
7 h 30 min
